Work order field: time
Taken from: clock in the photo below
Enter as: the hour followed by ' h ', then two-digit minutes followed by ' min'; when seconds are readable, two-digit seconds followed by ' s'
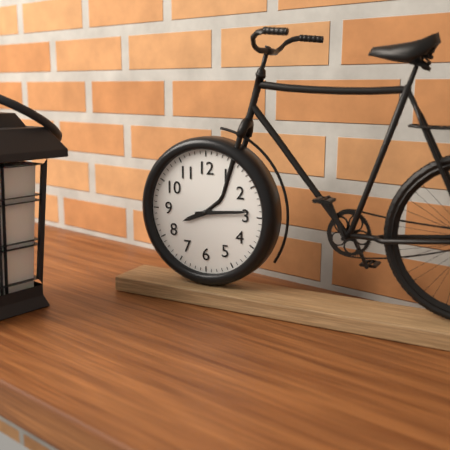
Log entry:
8 h 14 min
